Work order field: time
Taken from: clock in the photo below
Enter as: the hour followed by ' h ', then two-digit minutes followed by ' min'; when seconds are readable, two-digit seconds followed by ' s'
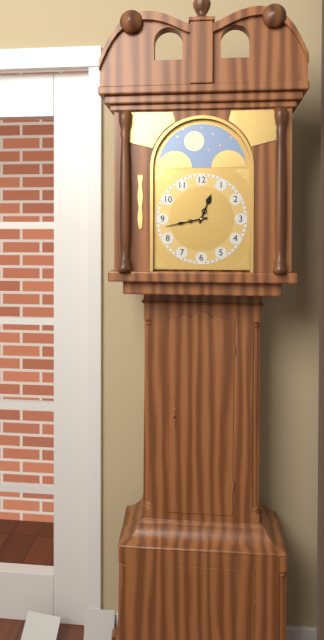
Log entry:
12 h 43 min
